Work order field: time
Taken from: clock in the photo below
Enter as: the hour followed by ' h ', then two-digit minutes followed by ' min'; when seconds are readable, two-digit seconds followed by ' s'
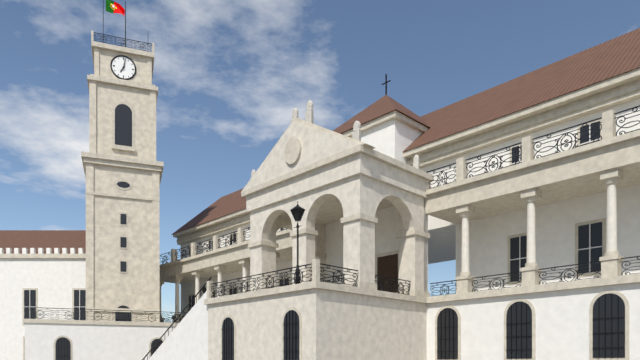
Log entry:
7 h 02 min
